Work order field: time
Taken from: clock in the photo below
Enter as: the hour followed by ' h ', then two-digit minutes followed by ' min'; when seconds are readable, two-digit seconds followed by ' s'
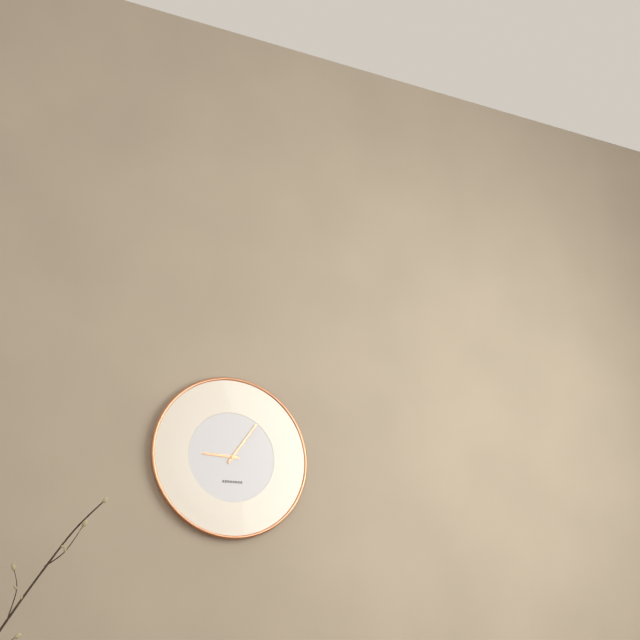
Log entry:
9 h 06 min
